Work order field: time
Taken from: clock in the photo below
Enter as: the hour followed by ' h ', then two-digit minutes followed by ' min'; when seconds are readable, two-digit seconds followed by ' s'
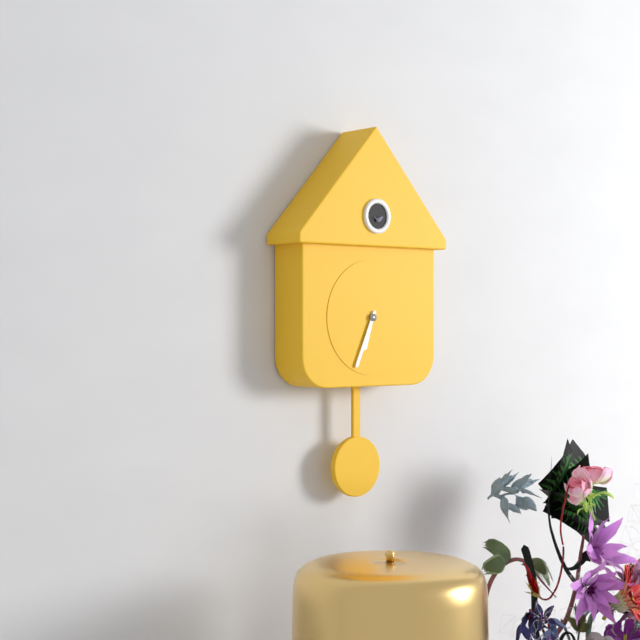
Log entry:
6 h 34 min
